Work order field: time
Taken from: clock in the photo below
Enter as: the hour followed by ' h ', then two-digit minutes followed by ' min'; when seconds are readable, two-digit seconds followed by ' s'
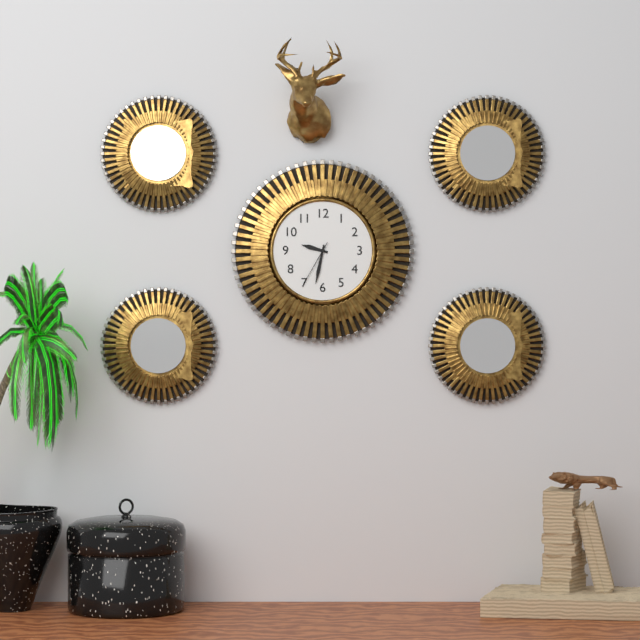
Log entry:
9 h 32 min
